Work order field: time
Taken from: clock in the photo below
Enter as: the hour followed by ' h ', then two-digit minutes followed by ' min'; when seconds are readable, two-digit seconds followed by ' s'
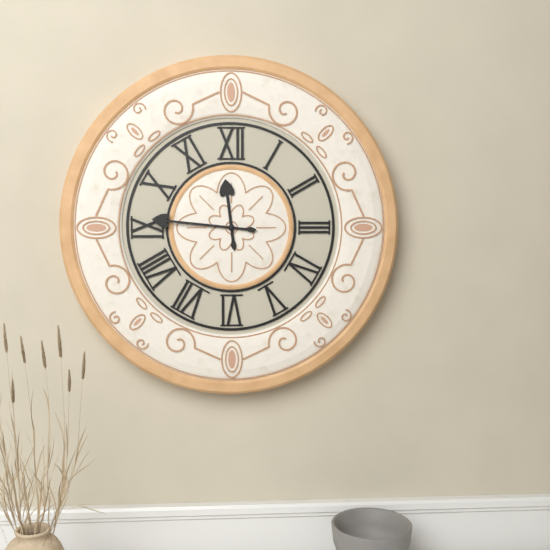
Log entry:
11 h 46 min
